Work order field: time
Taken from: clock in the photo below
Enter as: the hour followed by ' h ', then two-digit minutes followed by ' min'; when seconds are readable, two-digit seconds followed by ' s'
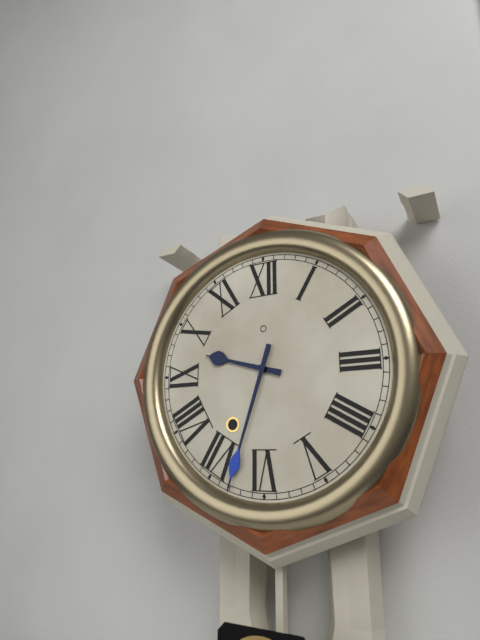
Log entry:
9 h 33 min
